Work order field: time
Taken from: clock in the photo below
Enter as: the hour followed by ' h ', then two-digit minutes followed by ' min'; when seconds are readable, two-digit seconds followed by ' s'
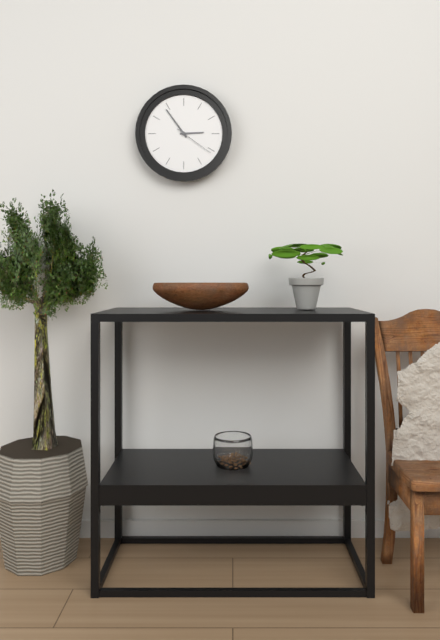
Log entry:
2 h 54 min
